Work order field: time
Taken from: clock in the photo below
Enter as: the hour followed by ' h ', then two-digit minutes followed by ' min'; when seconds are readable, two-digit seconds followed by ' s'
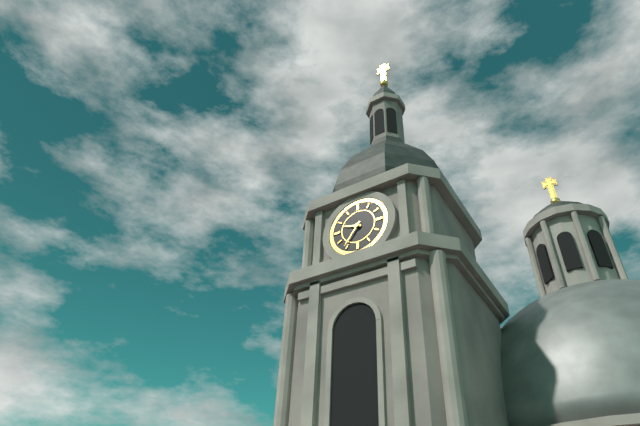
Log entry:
9 h 36 min
